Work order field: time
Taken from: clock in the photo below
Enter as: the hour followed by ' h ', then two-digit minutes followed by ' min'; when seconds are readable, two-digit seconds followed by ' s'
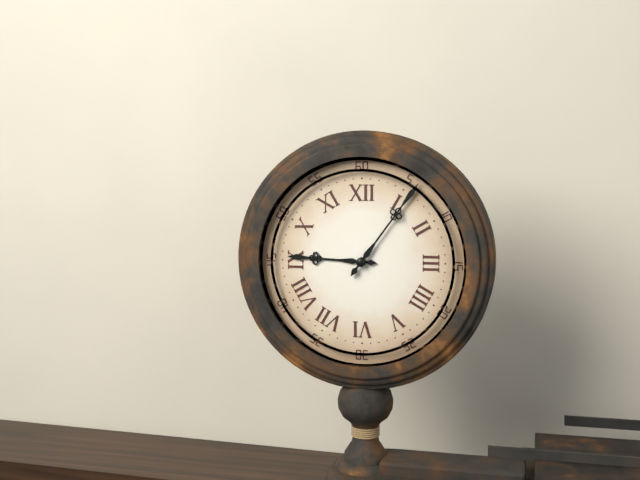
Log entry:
9 h 06 min
